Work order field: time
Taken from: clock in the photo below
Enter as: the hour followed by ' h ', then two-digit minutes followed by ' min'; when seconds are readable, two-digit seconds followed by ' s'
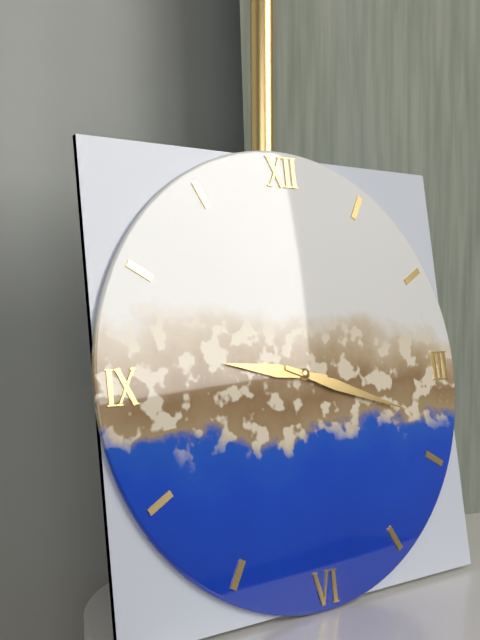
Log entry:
9 h 18 min
